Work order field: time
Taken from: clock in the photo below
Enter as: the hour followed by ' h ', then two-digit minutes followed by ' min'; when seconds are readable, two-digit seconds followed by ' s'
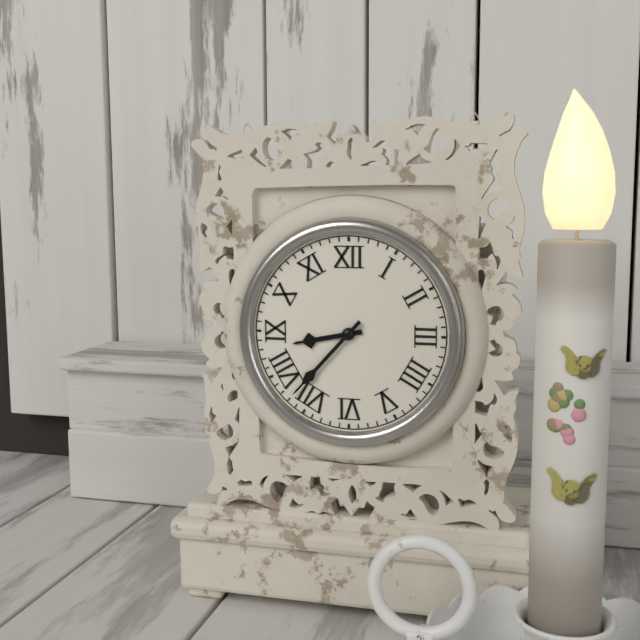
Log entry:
8 h 37 min
